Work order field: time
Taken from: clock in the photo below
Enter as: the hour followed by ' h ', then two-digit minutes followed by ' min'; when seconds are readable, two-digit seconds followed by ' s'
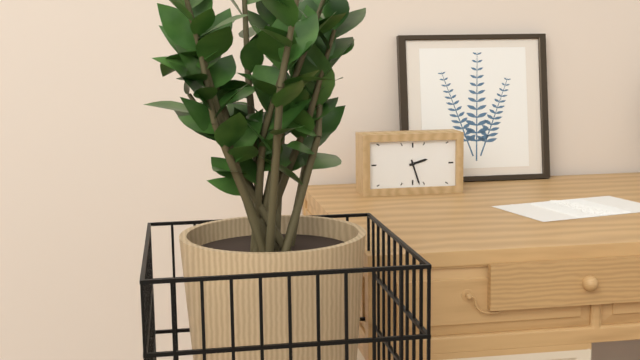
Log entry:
2 h 27 min
